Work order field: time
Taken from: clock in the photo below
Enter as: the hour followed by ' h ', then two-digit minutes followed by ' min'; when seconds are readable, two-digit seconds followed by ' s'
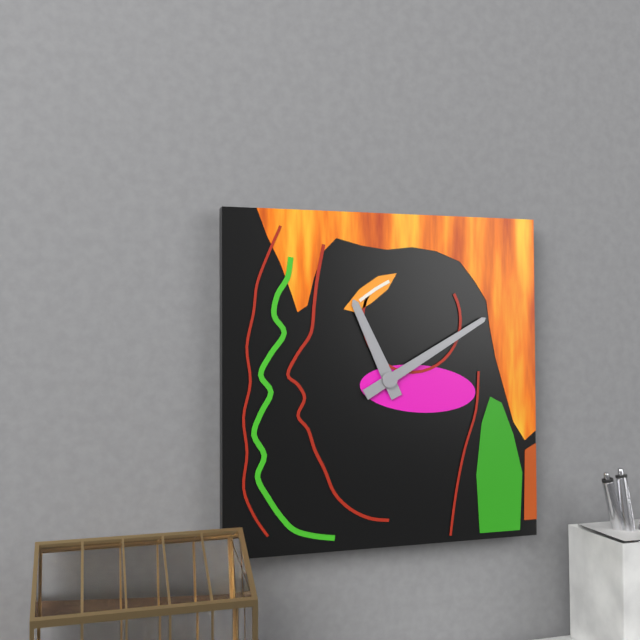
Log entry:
11 h 10 min
